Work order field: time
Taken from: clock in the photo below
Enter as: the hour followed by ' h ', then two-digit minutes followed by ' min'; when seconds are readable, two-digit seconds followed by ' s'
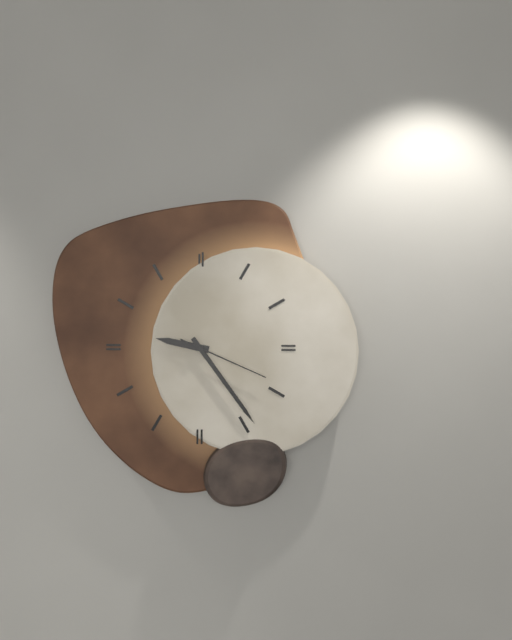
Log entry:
9 h 24 min 19 s
